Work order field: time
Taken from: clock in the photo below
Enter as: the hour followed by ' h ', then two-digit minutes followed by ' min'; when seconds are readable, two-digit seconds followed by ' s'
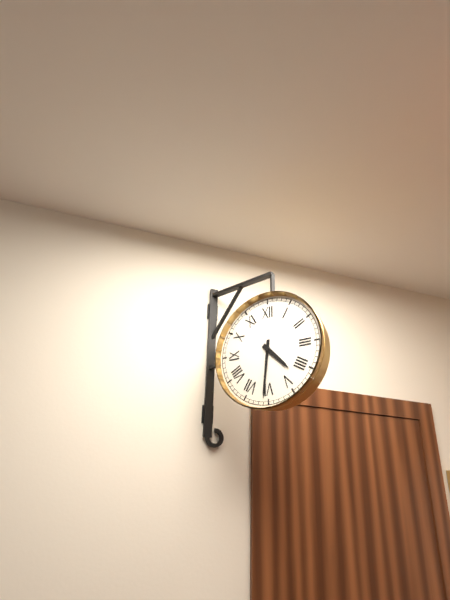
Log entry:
4 h 31 min
